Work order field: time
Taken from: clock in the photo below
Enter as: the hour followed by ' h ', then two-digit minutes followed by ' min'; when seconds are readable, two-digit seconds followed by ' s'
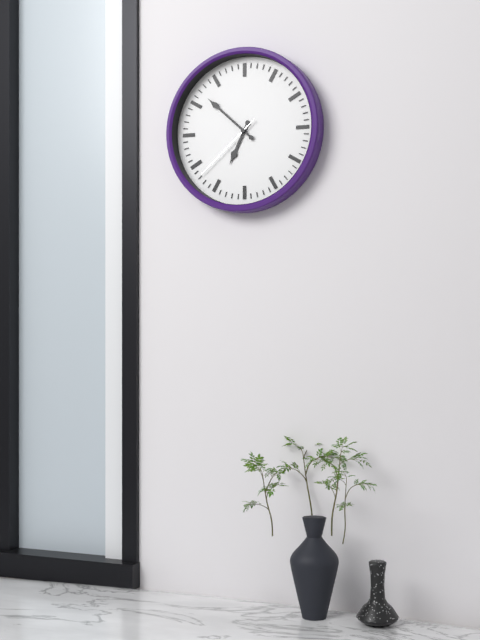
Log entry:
6 h 52 min 38 s
